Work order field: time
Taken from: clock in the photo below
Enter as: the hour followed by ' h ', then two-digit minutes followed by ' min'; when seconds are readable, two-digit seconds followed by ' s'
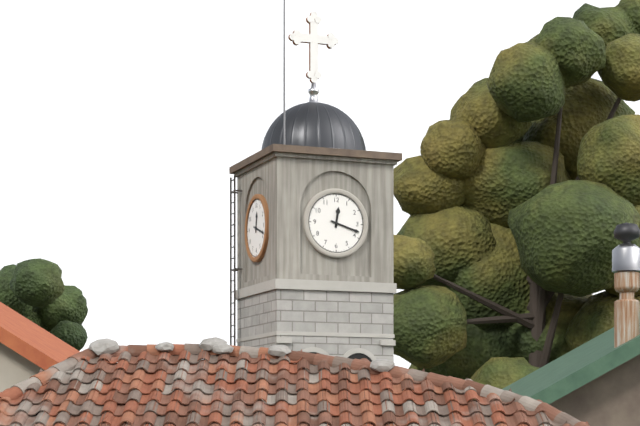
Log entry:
12 h 18 min
